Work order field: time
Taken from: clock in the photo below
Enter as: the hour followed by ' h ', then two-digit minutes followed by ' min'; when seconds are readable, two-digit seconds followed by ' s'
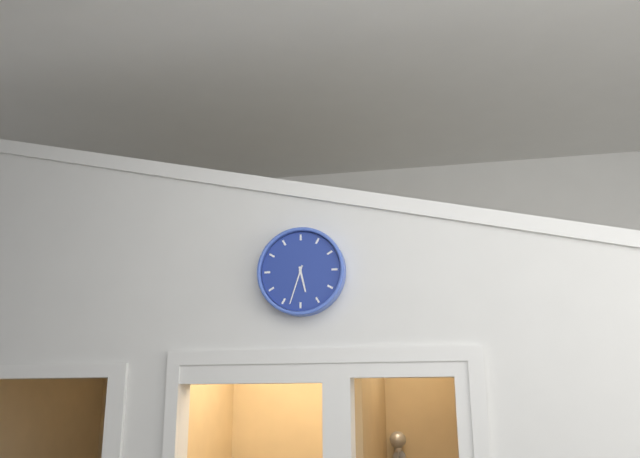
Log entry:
5 h 33 min
